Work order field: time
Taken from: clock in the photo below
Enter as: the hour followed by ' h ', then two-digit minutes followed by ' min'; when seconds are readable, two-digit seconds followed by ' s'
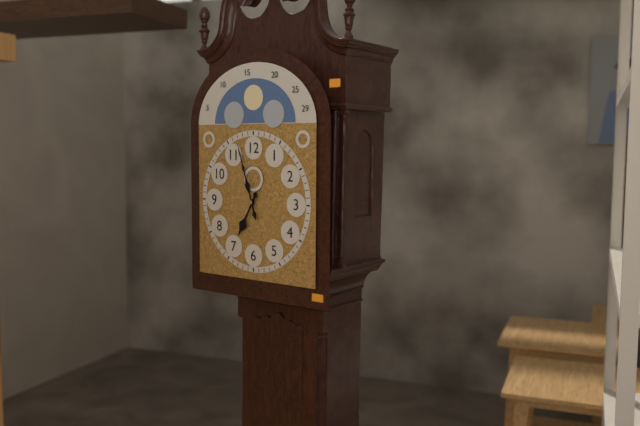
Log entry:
6 h 57 min
